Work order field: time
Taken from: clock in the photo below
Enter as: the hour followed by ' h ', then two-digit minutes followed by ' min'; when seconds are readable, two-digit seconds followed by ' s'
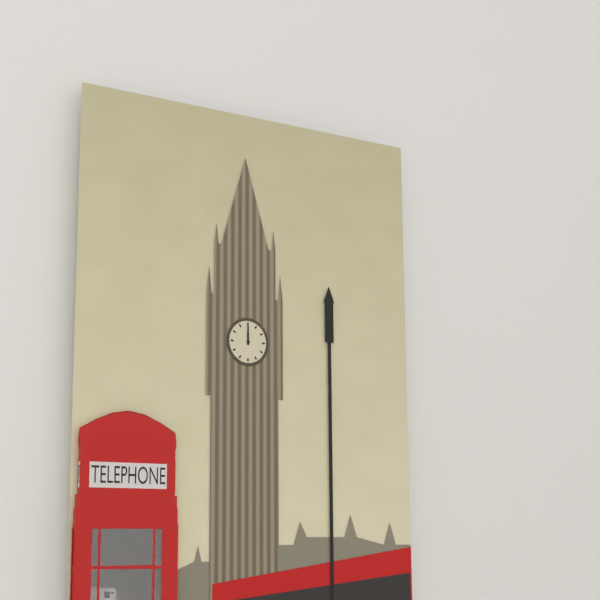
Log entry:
12 h 00 min
